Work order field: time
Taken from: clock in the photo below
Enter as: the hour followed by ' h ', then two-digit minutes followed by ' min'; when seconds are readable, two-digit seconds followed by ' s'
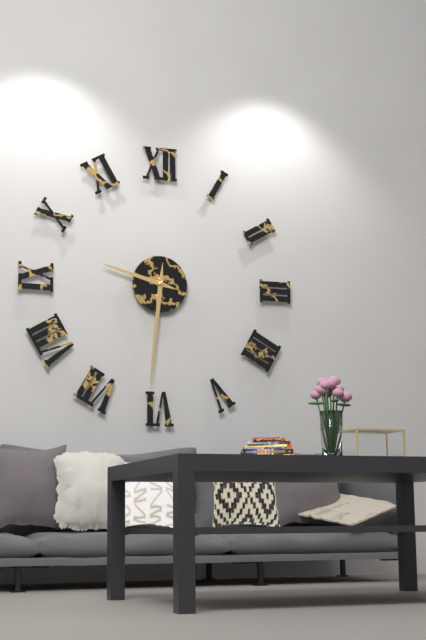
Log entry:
9 h 31 min
